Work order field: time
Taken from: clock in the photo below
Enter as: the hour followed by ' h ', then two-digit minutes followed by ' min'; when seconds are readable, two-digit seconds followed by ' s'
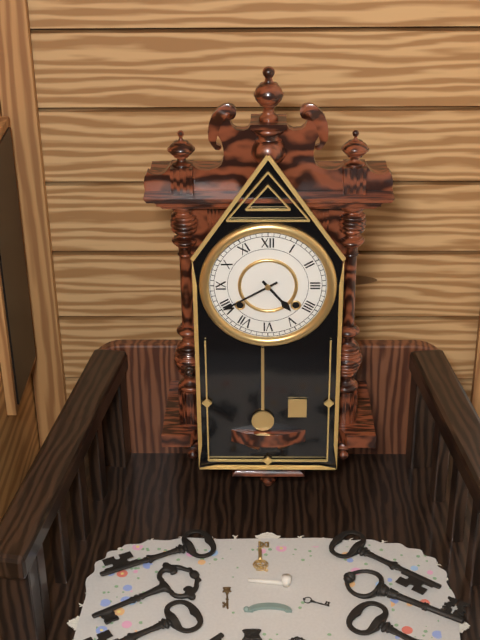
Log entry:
4 h 40 min
